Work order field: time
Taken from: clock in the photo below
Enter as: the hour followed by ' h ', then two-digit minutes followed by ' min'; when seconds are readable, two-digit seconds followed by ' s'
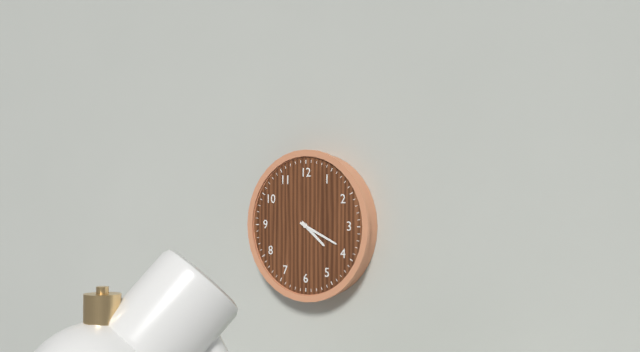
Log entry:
4 h 19 min
